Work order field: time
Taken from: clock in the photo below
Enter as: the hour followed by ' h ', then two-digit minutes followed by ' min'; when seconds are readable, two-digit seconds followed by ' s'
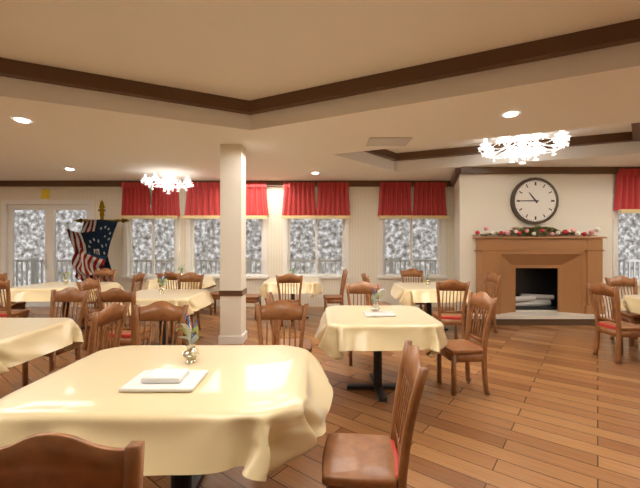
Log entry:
10 h 45 min
